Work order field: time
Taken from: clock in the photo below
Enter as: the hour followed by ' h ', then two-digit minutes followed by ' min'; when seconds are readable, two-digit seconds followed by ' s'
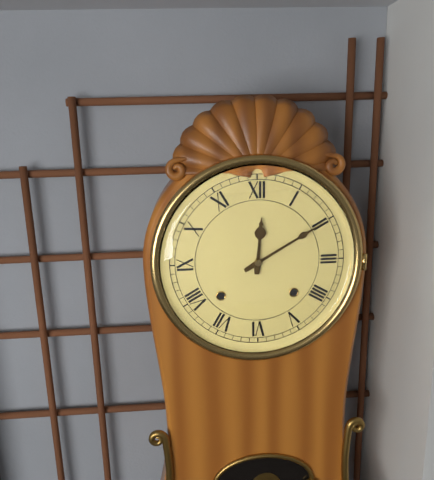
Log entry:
12 h 10 min
